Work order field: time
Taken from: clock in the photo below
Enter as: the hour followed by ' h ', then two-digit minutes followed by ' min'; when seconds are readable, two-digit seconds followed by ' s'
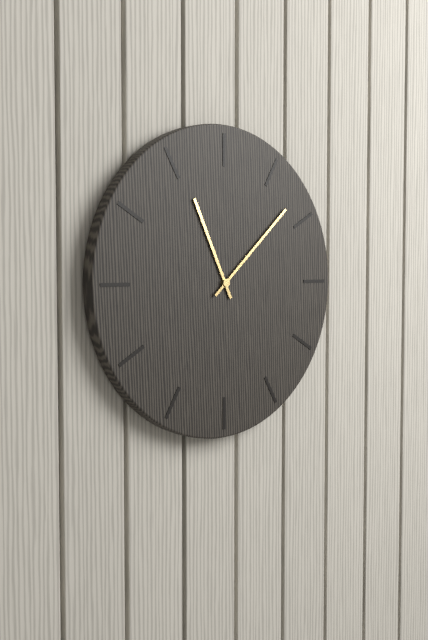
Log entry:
11 h 08 min
